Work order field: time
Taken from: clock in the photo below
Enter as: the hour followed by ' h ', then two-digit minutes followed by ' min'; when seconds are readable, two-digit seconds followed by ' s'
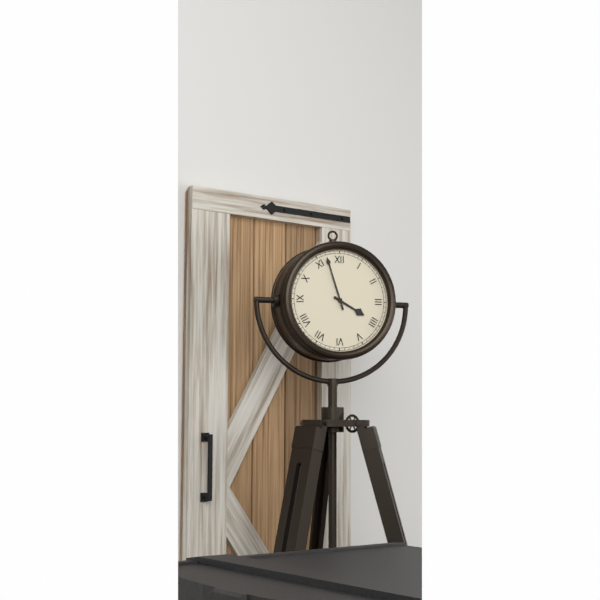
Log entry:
3 h 57 min
